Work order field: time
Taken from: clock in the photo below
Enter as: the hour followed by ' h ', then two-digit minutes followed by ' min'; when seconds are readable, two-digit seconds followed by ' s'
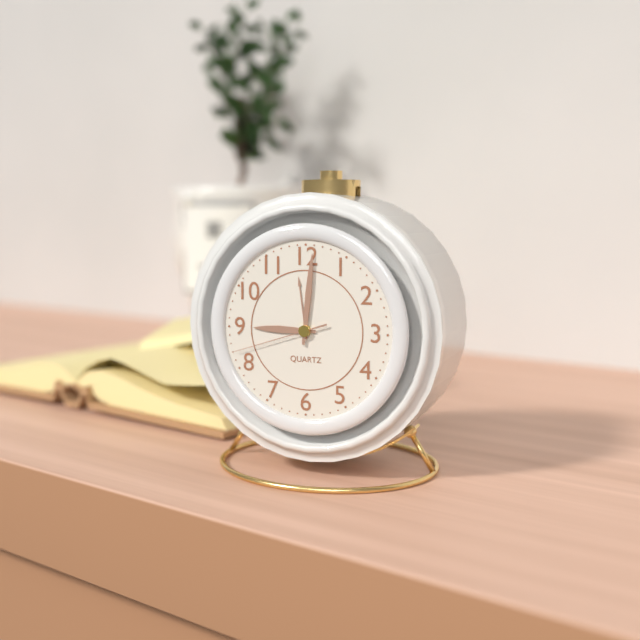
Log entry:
9 h 01 min 42 s
